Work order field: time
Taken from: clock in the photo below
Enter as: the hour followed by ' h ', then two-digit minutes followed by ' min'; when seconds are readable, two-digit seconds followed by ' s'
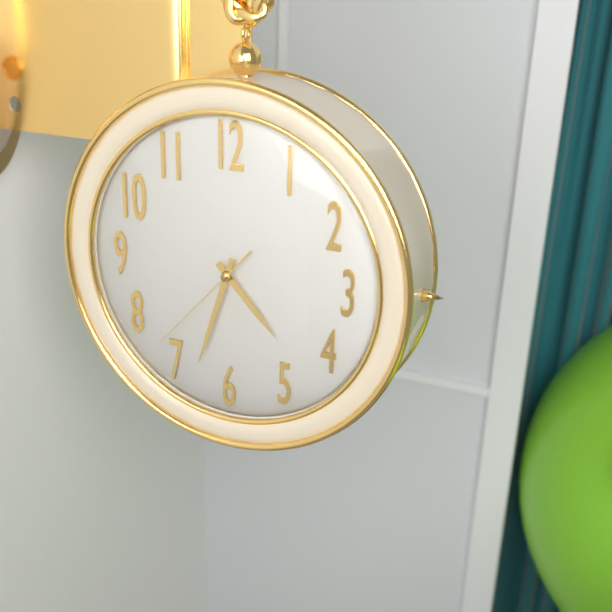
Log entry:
4 h 33 min 37 s
